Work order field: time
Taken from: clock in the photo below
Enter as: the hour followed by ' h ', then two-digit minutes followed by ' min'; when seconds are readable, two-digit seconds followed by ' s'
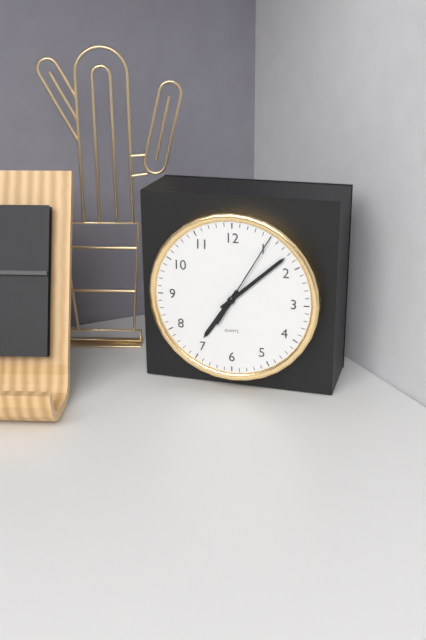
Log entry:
7 h 08 min 05 s
